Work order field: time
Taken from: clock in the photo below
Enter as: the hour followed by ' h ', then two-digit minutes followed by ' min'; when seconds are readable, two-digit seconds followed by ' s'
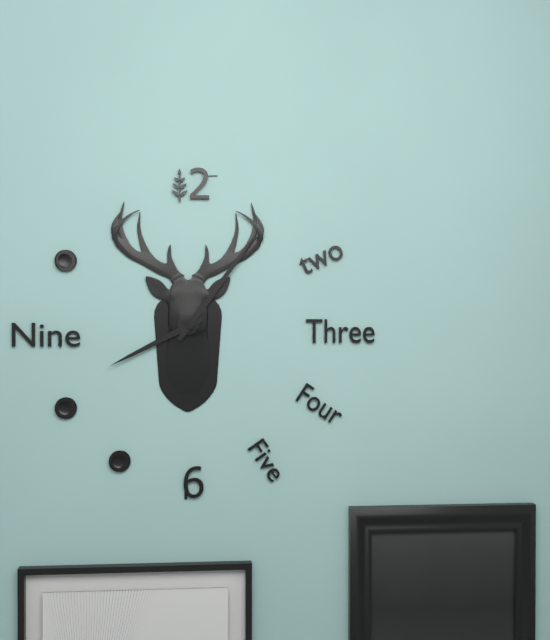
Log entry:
8 h 06 min
